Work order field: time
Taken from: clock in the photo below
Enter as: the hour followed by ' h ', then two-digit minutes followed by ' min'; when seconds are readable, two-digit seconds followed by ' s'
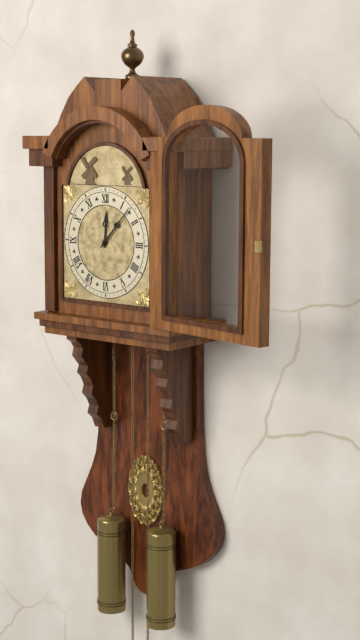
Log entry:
12 h 07 min
